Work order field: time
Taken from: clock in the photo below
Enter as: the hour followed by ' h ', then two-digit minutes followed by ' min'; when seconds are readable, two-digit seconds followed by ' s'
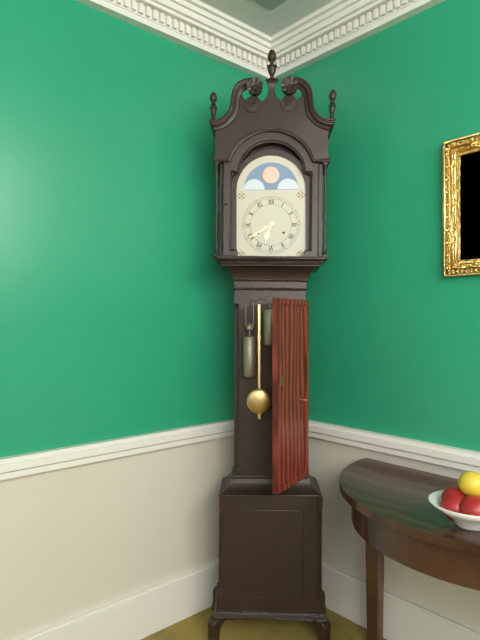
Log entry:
6 h 40 min
